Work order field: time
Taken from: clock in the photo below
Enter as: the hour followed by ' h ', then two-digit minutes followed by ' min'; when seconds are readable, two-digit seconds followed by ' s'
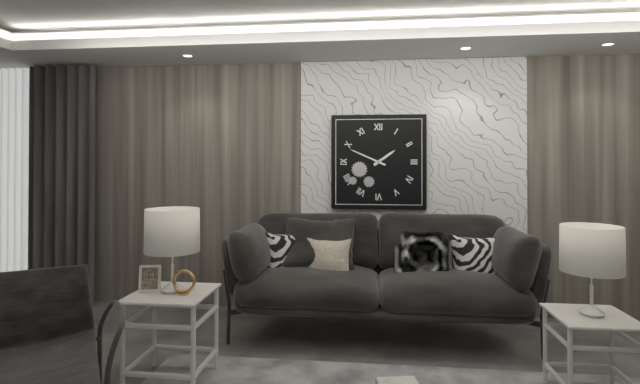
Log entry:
1 h 49 min
